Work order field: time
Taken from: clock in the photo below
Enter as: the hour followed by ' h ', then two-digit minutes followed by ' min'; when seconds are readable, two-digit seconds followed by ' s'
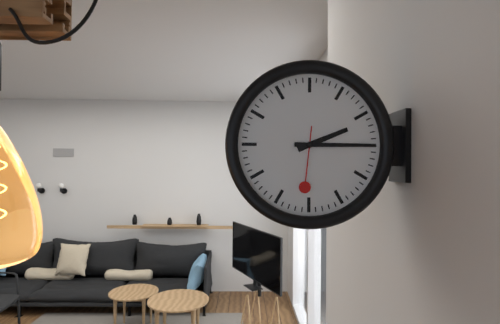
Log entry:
2 h 15 min 31 s
